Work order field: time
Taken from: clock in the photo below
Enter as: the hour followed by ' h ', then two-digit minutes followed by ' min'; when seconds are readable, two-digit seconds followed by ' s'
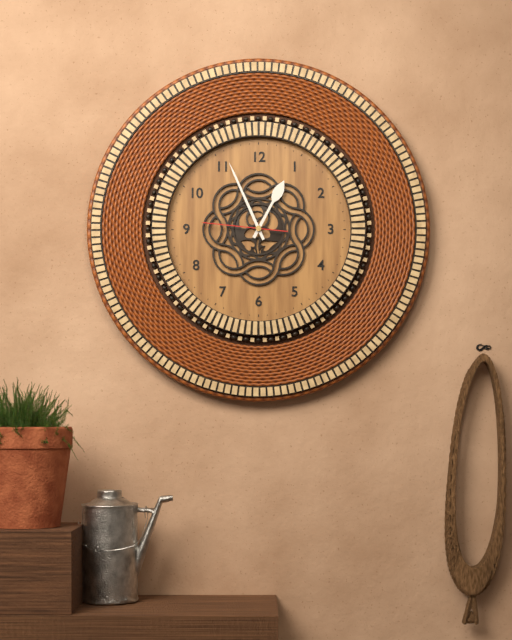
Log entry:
12 h 56 min 46 s
